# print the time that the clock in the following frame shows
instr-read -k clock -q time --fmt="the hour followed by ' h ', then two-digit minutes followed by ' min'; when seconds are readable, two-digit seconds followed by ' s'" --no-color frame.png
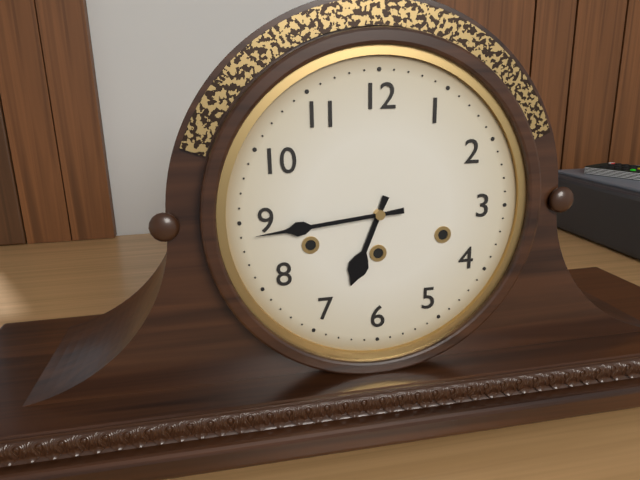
6 h 44 min
